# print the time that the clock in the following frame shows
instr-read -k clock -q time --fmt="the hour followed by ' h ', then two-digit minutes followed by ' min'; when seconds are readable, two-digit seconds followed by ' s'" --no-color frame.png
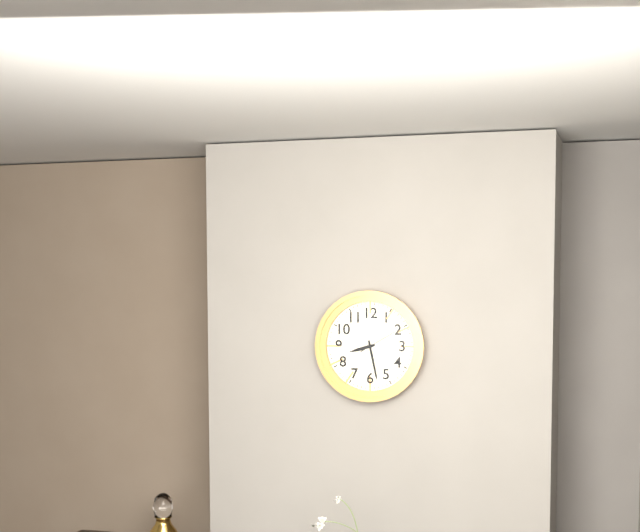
8 h 28 min
